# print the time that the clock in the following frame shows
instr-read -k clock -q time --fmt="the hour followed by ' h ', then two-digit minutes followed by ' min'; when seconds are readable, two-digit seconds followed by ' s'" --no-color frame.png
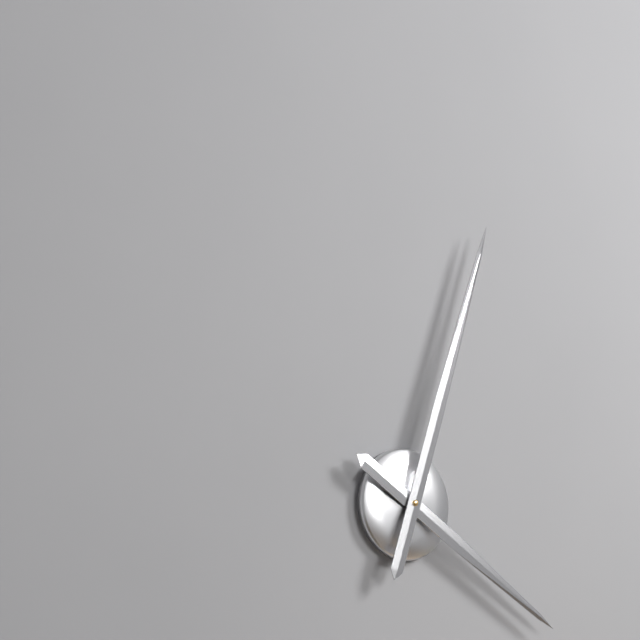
4 h 03 min
